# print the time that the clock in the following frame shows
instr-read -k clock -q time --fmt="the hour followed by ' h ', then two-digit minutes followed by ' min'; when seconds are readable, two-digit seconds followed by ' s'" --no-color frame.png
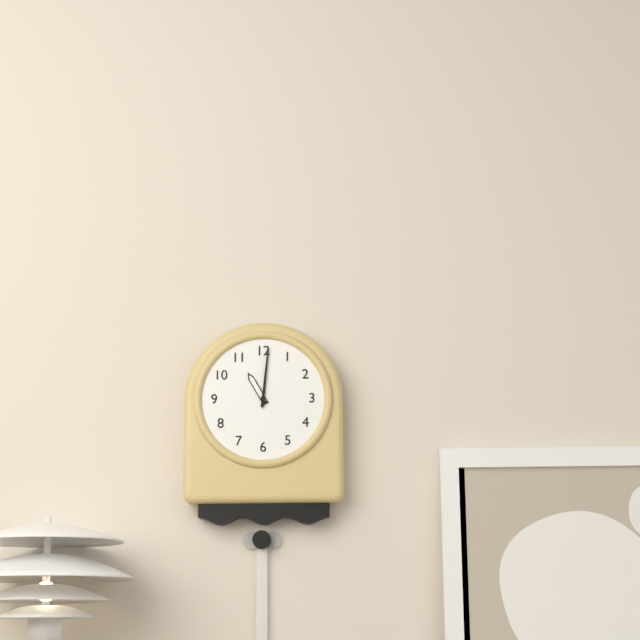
11 h 01 min
